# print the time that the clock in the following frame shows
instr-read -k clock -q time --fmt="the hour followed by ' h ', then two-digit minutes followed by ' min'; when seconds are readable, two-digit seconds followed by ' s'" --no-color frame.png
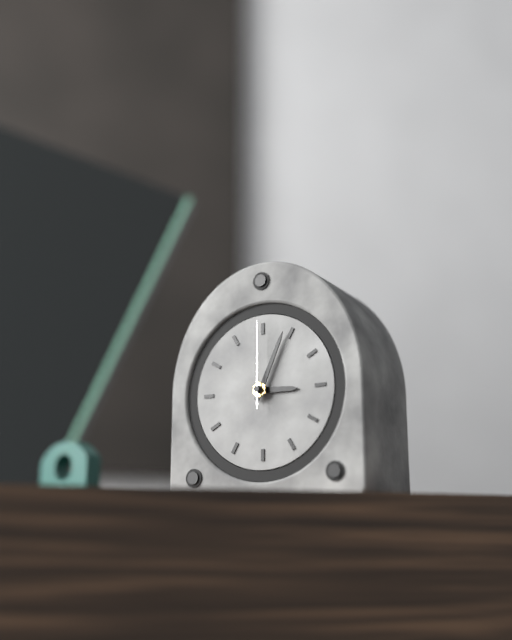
3 h 04 min 00 s
